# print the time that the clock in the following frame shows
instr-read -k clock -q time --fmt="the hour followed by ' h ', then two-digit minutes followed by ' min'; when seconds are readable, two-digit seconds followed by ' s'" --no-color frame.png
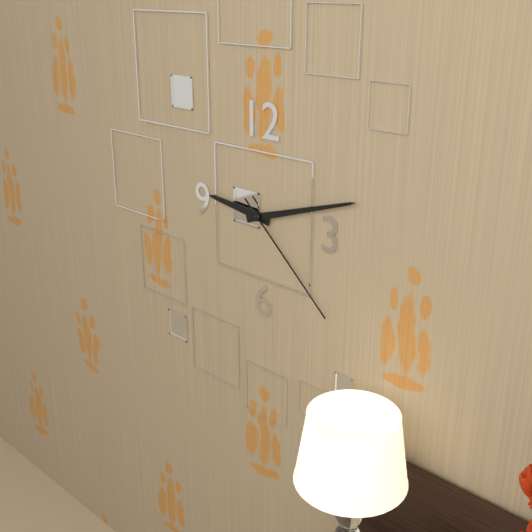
9 h 12 min 22 s
